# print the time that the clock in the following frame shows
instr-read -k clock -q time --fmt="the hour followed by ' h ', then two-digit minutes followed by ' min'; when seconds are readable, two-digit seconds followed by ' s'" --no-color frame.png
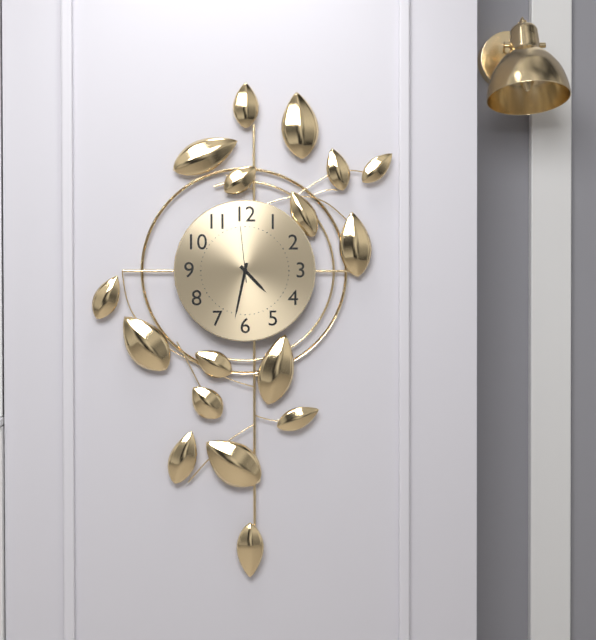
4 h 32 min 59 s
